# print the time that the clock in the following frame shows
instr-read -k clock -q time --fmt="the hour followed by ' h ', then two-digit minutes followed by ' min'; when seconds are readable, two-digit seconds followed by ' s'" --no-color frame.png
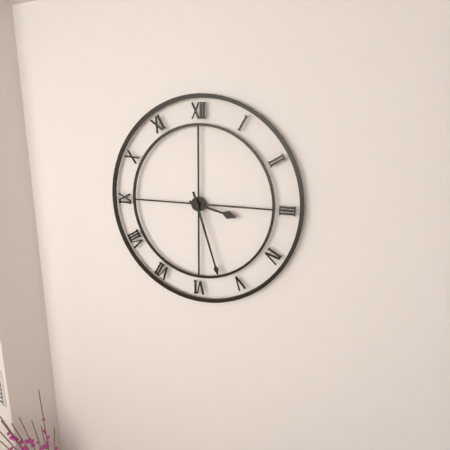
3 h 27 min
